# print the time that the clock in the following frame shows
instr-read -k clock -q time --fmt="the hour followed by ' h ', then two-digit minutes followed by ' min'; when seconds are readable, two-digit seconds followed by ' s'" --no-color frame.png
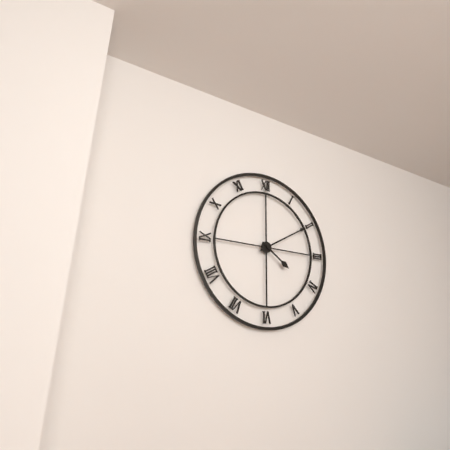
4 h 10 min
